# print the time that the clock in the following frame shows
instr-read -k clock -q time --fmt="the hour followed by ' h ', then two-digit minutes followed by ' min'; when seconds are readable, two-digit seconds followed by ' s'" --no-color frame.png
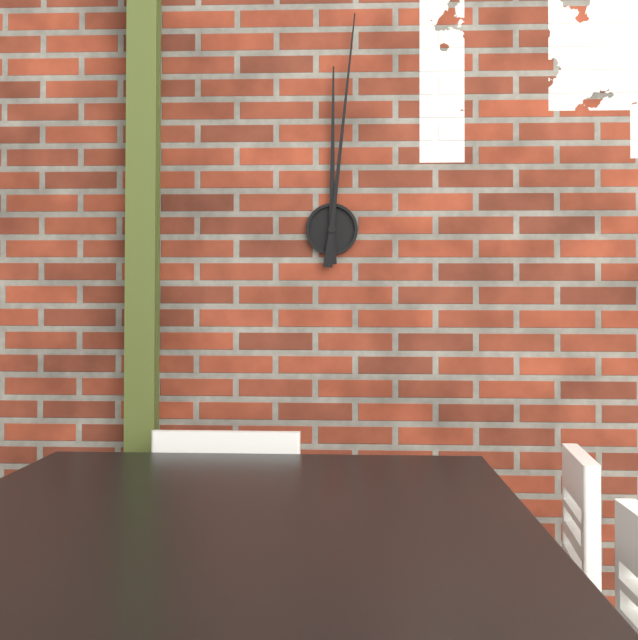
12 h 01 min
